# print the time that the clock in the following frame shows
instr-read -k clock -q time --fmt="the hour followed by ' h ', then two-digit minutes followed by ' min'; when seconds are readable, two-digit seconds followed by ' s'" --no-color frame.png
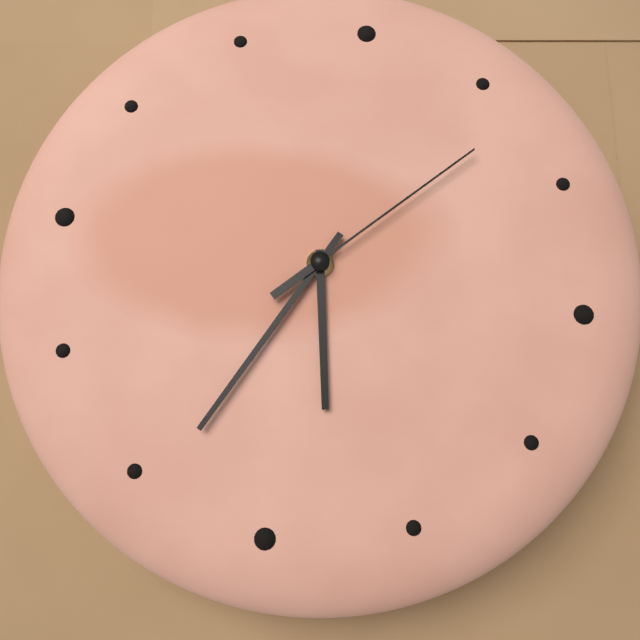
5 h 34 min 07 s
